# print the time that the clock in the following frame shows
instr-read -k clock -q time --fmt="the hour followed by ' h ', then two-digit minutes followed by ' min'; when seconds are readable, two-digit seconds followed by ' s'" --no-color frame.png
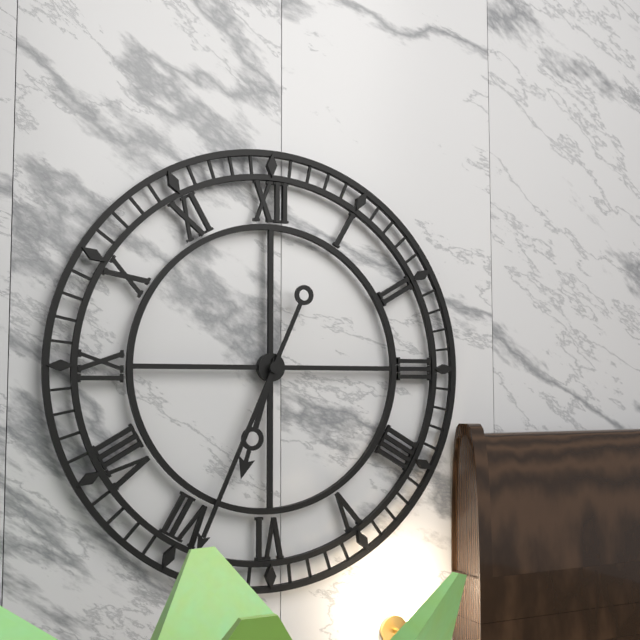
6 h 34 min
